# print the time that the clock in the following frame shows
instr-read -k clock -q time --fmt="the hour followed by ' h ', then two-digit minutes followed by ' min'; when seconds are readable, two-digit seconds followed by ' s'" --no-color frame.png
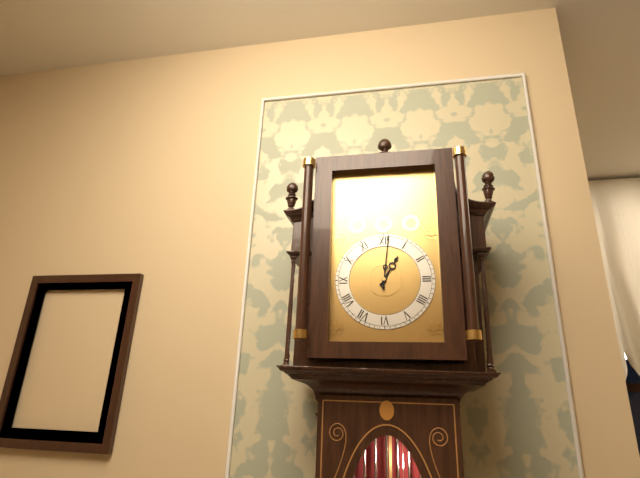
1 h 01 min
